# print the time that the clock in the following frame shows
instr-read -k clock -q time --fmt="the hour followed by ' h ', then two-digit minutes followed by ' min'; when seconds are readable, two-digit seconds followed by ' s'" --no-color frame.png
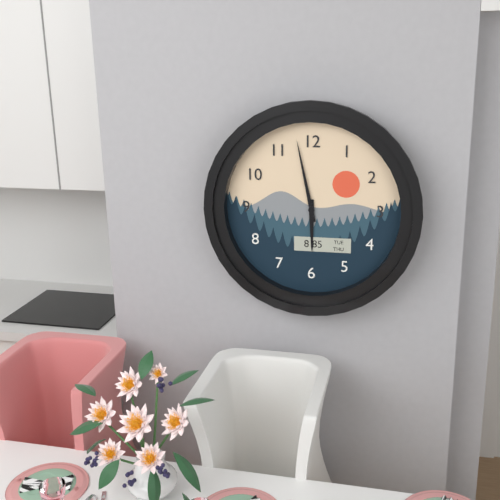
5 h 58 min
